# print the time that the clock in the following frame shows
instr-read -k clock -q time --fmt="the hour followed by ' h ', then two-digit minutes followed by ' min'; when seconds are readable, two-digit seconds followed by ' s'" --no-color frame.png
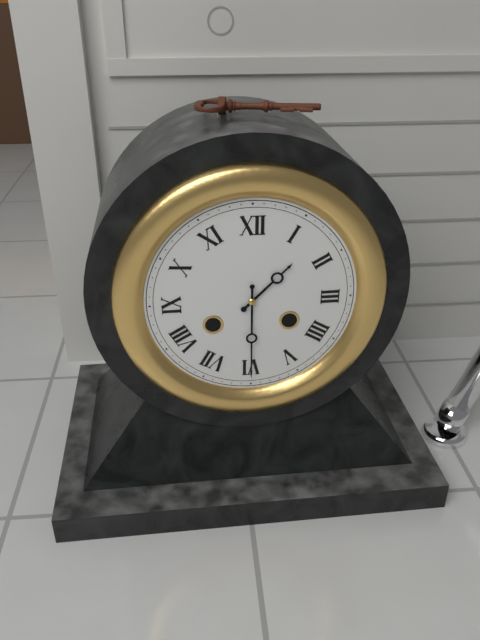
1 h 30 min
